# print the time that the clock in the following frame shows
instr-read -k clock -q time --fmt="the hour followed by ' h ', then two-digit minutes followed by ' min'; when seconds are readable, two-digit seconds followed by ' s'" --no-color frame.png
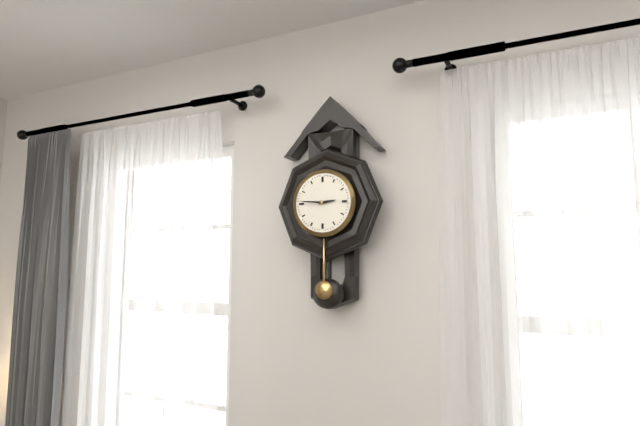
2 h 46 min
